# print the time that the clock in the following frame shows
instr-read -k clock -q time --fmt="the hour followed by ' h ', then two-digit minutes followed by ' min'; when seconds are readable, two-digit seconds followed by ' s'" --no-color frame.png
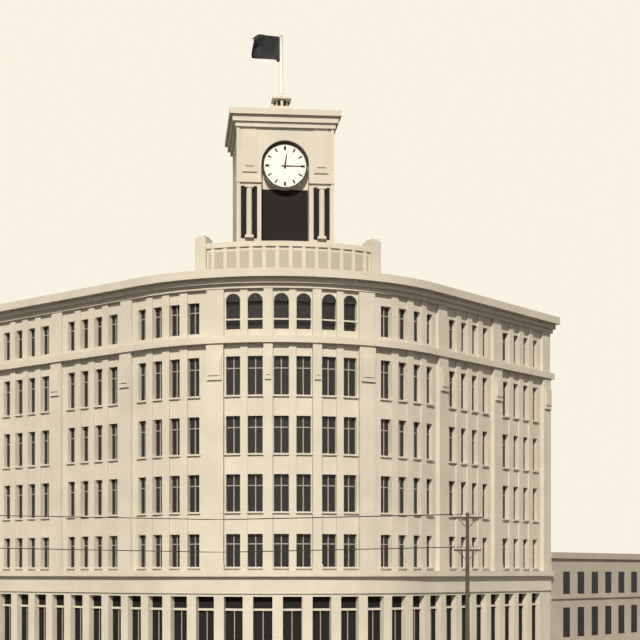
12 h 15 min
